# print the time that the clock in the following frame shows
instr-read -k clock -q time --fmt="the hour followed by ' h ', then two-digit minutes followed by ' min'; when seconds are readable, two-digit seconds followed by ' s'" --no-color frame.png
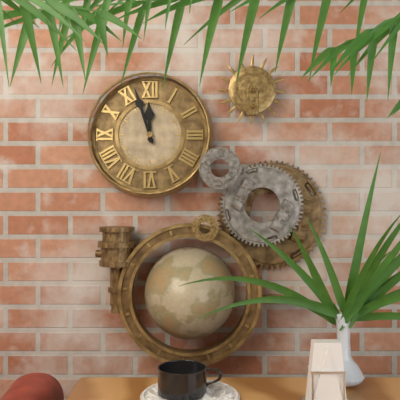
11 h 57 min
